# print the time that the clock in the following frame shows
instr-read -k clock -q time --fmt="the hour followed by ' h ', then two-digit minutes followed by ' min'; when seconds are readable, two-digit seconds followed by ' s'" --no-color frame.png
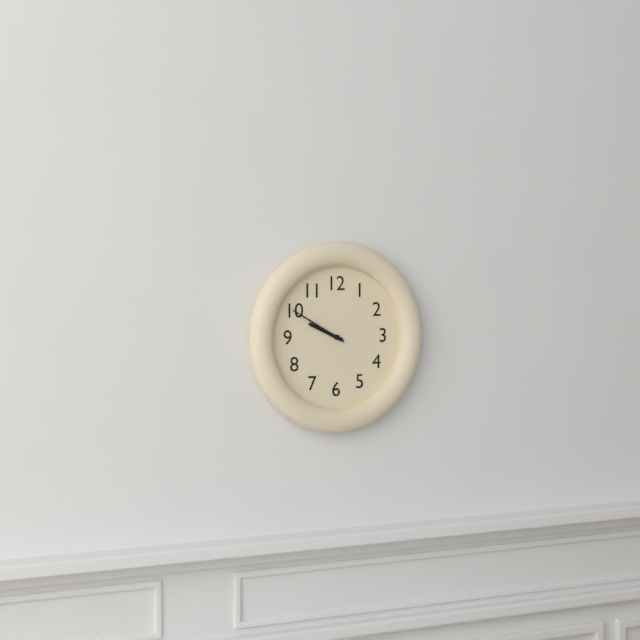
9 h 50 min
